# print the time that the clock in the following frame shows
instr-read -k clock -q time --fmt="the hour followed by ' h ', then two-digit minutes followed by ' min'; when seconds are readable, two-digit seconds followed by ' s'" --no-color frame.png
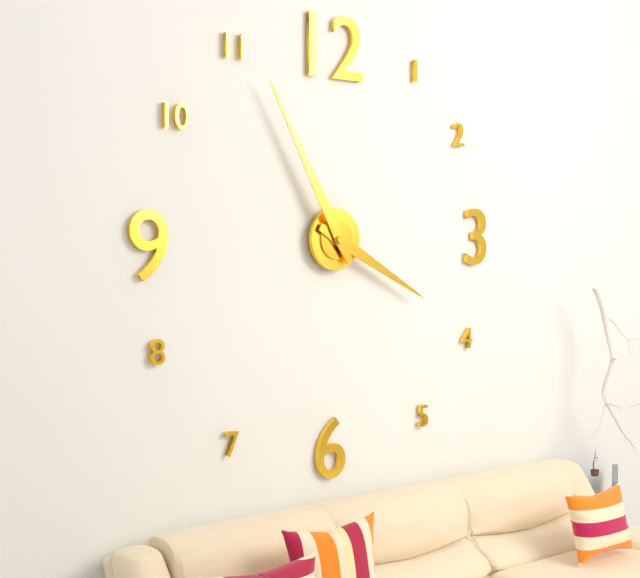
3 h 55 min
